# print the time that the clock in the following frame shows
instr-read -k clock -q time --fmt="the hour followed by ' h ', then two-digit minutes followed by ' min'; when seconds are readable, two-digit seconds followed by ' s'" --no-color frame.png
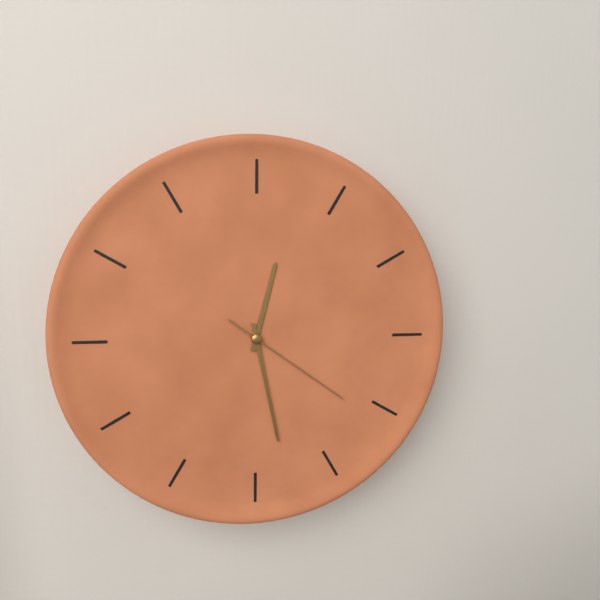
12 h 28 min 21 s
